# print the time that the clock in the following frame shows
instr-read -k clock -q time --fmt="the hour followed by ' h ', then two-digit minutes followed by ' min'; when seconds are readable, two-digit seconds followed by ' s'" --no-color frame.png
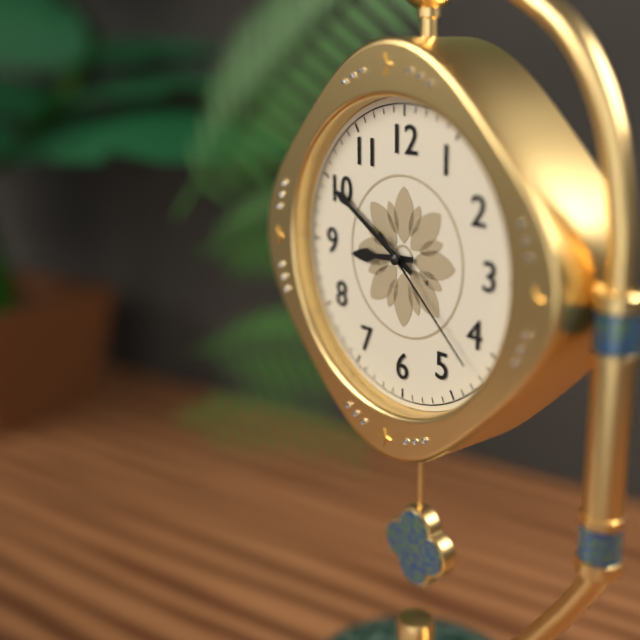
8 h 50 min 22 s
